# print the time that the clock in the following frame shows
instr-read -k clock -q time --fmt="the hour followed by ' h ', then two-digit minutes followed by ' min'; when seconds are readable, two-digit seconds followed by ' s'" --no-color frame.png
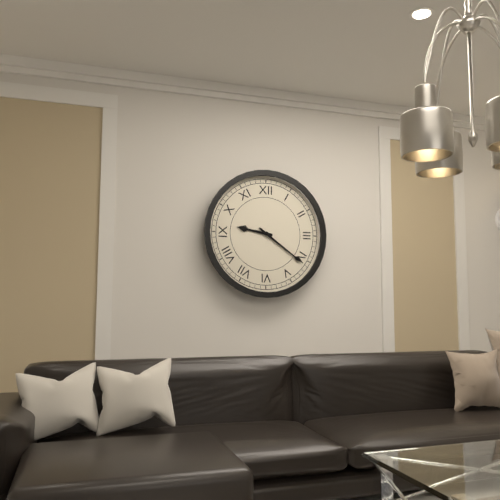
9 h 21 min
